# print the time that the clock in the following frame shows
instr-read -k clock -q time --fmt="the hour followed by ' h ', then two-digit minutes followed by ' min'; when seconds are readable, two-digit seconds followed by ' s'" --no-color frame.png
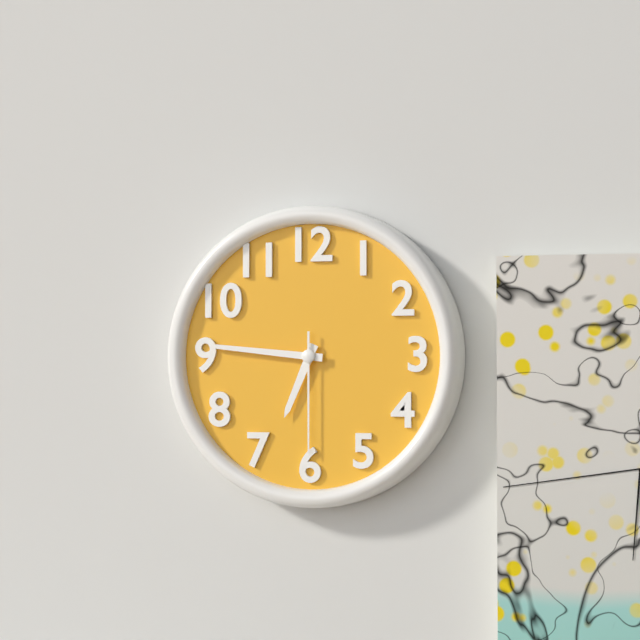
6 h 46 min 30 s
